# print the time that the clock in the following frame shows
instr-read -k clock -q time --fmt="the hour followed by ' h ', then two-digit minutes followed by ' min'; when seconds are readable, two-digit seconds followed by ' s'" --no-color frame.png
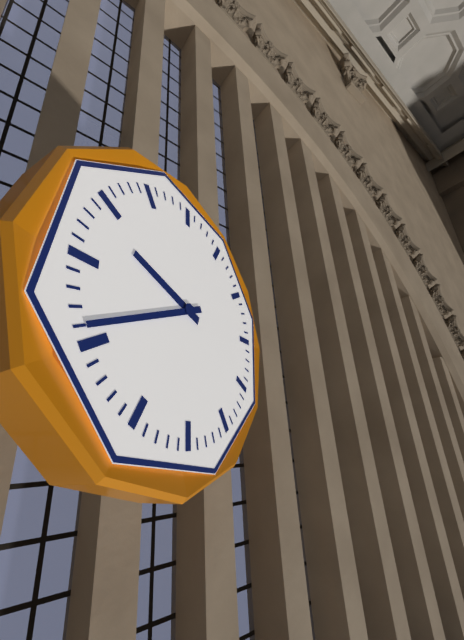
9 h 41 min
